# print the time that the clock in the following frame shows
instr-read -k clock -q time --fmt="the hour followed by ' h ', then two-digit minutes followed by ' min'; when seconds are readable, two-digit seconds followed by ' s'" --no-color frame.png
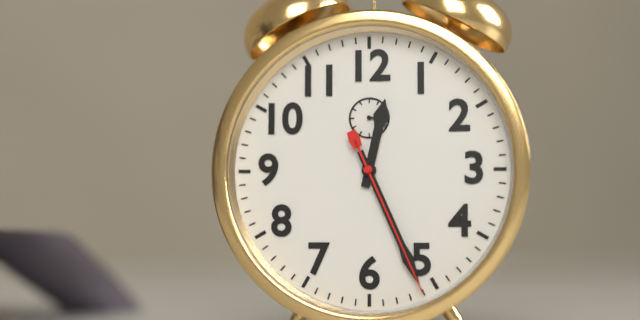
12 h 26 min 26 s
